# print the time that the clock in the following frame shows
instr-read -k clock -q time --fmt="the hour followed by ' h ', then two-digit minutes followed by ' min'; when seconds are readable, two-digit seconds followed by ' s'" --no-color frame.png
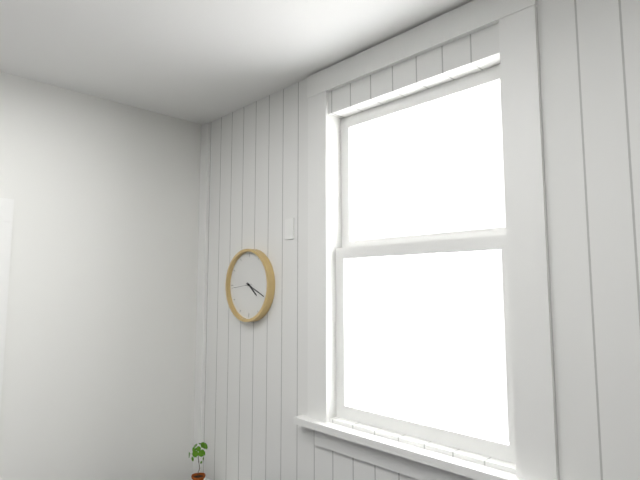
4 h 19 min
